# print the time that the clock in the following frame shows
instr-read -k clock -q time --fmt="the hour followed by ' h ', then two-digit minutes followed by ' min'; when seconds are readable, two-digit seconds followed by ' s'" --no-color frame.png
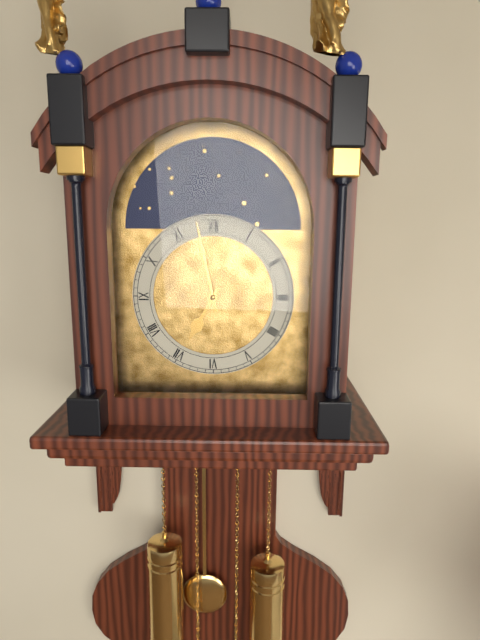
6 h 58 min
